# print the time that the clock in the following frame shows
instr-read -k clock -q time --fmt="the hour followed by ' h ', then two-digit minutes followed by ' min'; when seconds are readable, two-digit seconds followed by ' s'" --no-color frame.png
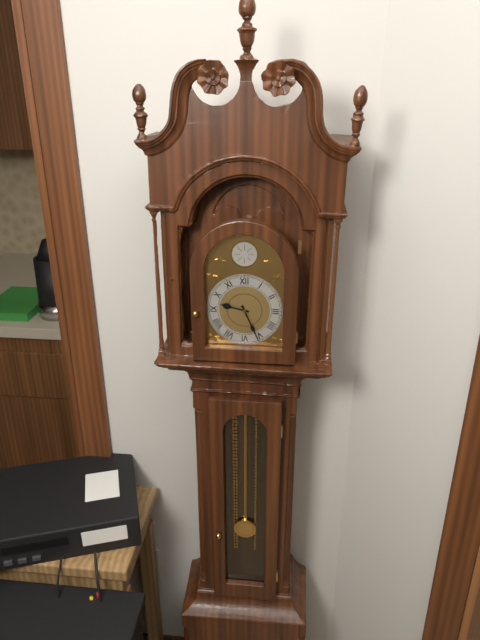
9 h 26 min
